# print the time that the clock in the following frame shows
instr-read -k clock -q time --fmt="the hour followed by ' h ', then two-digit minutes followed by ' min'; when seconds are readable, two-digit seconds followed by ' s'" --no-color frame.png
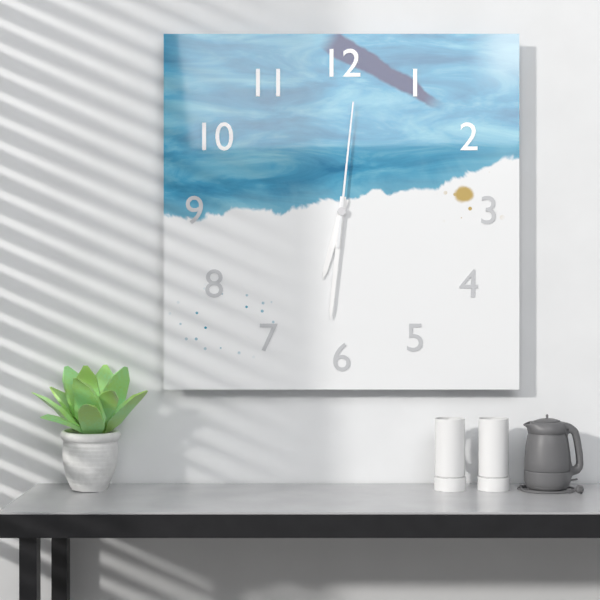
6 h 31 min 01 s
